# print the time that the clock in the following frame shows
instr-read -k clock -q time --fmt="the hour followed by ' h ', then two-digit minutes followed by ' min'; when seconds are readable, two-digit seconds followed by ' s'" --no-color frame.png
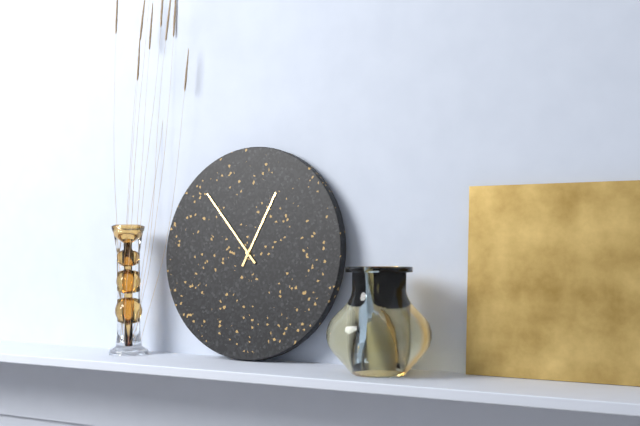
12 h 53 min
